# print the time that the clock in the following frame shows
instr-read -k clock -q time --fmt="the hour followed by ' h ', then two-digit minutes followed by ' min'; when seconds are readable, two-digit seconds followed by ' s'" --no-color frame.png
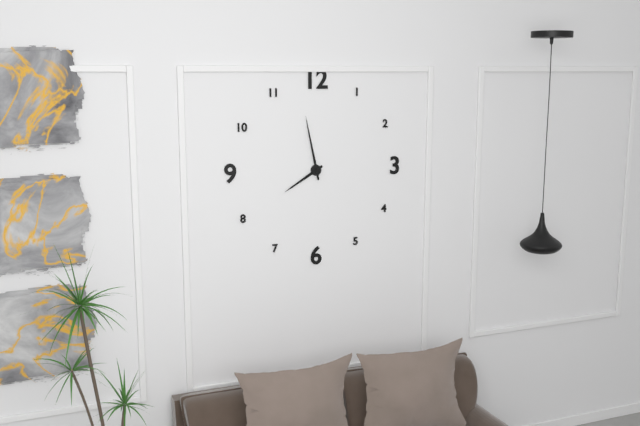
7 h 58 min
